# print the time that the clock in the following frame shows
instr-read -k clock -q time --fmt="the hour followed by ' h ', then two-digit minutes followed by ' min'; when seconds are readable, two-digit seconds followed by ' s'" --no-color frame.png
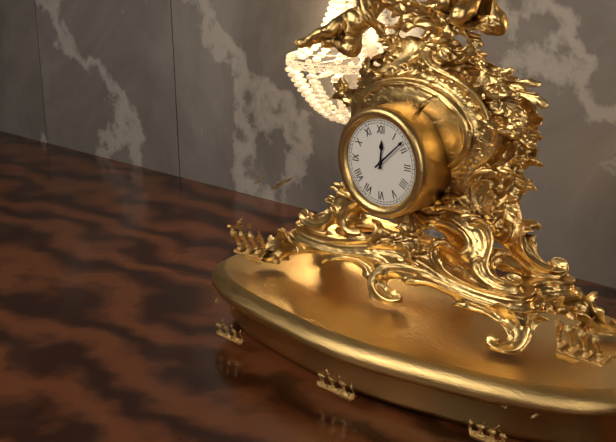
12 h 08 min
